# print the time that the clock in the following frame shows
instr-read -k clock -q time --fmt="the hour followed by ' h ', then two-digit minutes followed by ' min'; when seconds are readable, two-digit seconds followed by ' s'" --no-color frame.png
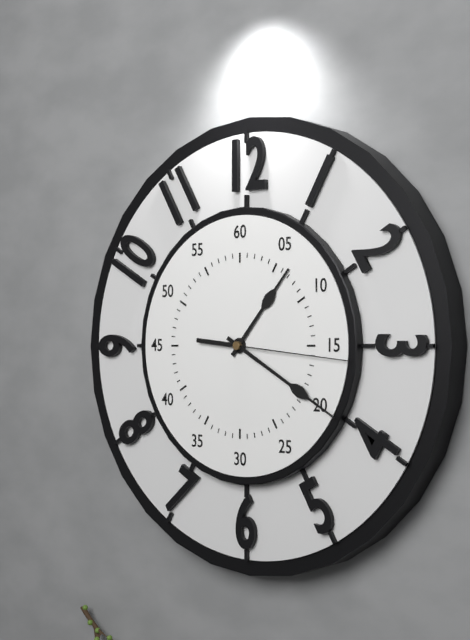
1 h 20 min 16 s
